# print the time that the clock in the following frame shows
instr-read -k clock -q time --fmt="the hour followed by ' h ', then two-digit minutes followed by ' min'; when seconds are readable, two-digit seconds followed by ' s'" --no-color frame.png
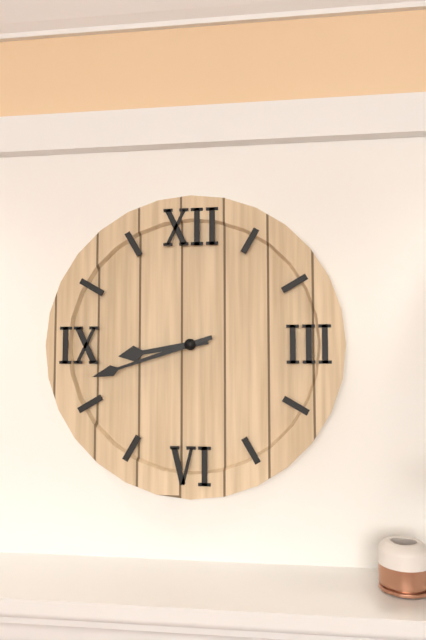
8 h 42 min
